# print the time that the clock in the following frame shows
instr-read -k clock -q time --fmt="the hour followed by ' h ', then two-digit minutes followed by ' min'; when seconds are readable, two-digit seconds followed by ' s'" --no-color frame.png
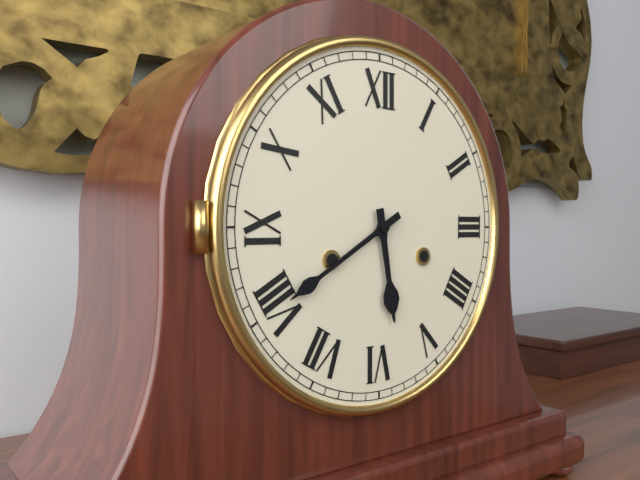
5 h 40 min
